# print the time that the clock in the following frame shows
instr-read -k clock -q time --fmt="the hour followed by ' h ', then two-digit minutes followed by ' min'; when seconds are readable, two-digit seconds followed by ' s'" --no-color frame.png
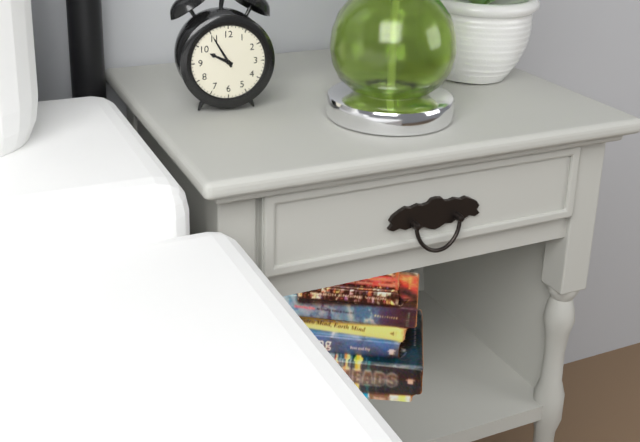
9 h 55 min
